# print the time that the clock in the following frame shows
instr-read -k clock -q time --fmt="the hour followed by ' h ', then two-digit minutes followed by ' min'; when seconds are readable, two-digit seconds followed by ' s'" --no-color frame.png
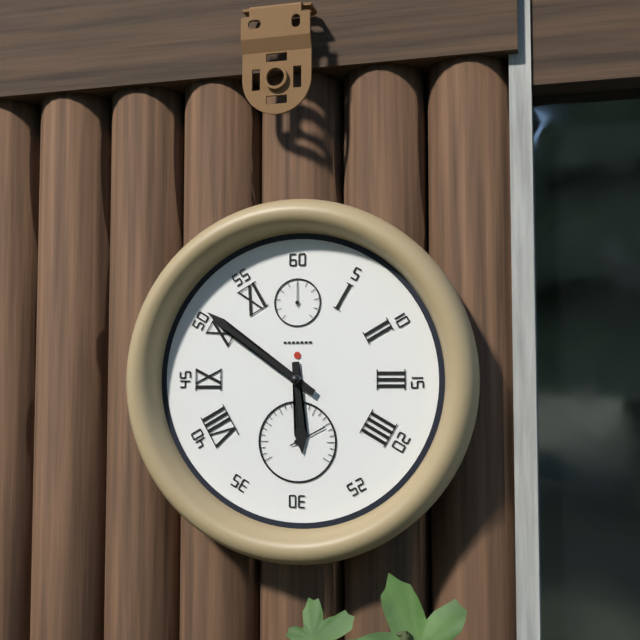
5 h 51 min
